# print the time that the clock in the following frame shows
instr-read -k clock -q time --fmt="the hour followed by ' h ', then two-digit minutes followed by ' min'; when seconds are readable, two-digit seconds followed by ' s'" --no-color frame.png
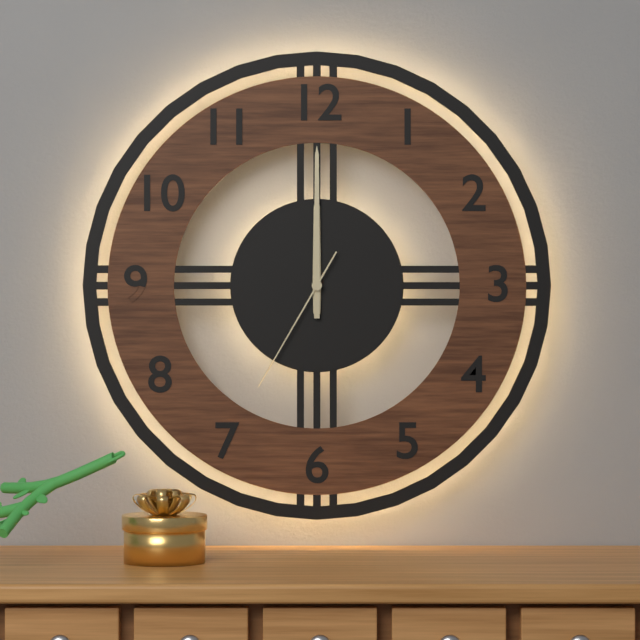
12 h 00 min 35 s
